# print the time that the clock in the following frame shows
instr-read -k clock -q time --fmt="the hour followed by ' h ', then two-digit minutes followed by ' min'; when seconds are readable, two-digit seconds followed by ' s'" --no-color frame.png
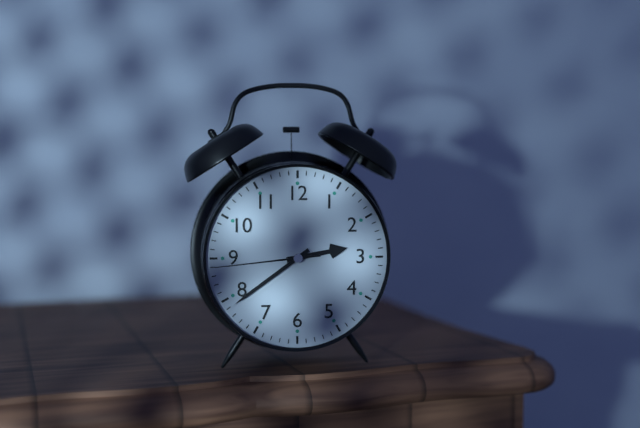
2 h 39 min 44 s
